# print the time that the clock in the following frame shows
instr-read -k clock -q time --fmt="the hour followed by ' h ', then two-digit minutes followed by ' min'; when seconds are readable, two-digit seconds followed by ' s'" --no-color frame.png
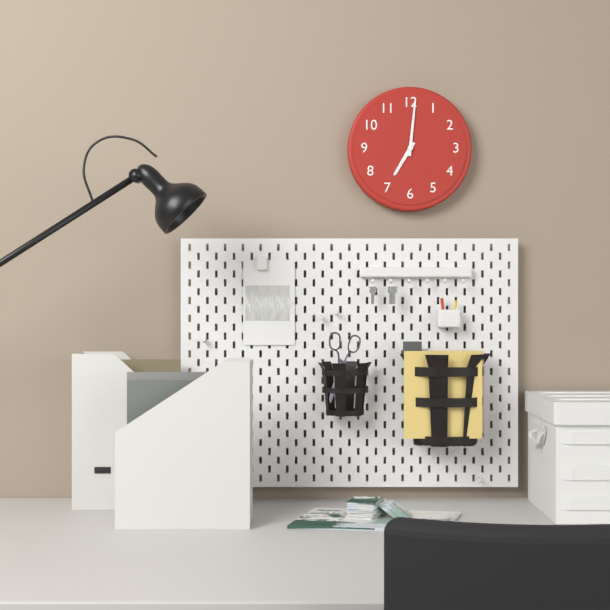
7 h 01 min
